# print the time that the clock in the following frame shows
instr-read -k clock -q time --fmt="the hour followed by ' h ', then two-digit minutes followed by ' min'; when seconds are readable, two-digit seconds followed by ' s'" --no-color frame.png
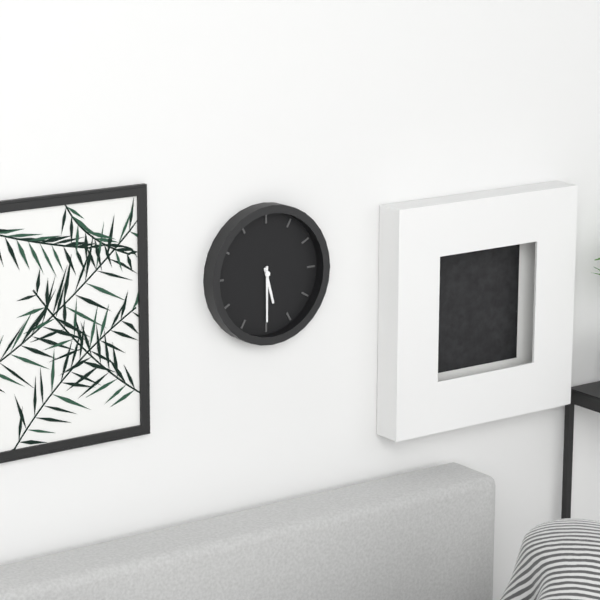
5 h 30 min
